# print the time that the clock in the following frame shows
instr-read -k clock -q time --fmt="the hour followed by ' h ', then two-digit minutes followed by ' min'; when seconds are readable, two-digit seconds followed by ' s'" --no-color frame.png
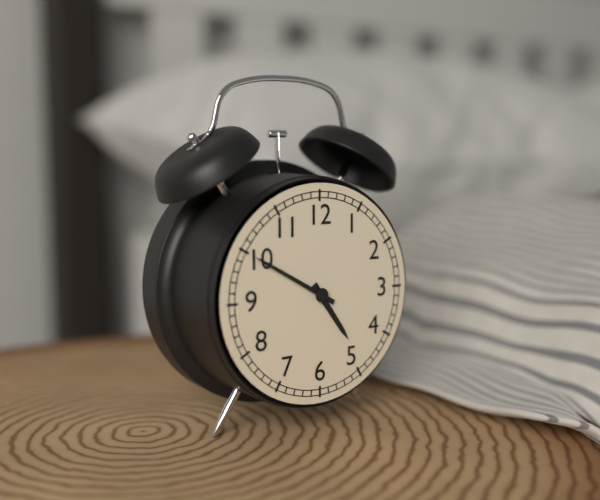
4 h 50 min
